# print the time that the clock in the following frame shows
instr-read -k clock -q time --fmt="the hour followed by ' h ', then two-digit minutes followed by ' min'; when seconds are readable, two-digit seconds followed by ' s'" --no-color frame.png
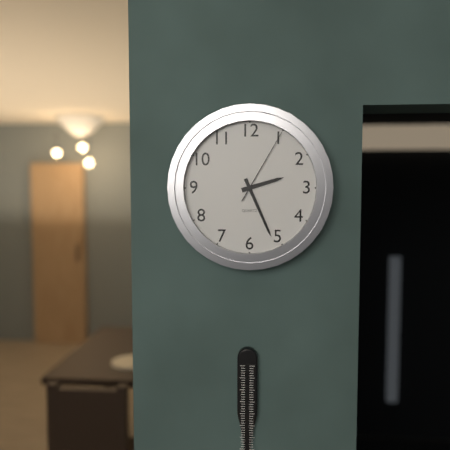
2 h 26 min 05 s
